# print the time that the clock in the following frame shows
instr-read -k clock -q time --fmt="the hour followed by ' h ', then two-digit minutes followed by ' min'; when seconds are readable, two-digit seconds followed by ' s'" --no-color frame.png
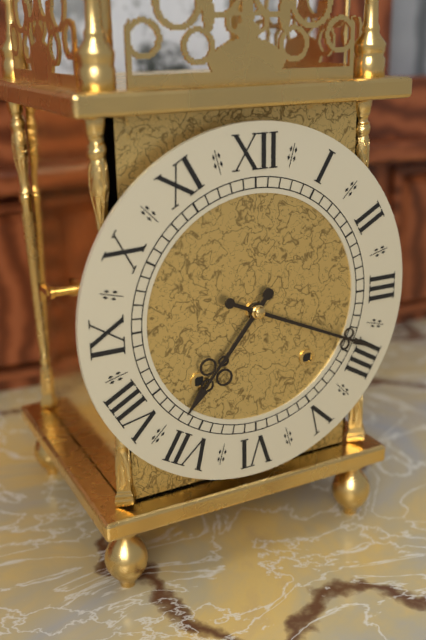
7 h 19 min
